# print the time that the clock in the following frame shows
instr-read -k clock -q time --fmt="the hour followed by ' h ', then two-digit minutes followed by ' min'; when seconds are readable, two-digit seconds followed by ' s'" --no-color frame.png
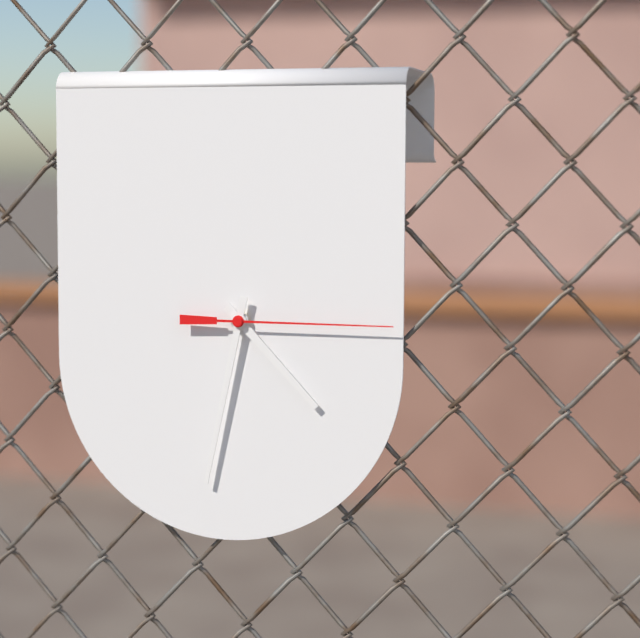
4 h 32 min 15 s
